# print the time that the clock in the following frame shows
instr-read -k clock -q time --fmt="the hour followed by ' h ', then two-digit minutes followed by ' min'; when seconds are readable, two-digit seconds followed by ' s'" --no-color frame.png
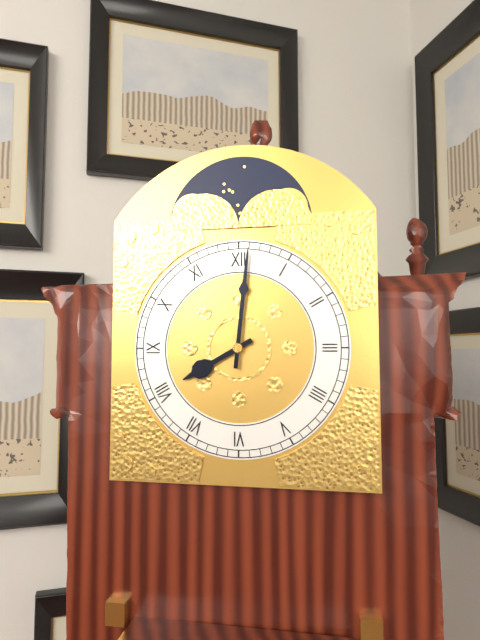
8 h 01 min
